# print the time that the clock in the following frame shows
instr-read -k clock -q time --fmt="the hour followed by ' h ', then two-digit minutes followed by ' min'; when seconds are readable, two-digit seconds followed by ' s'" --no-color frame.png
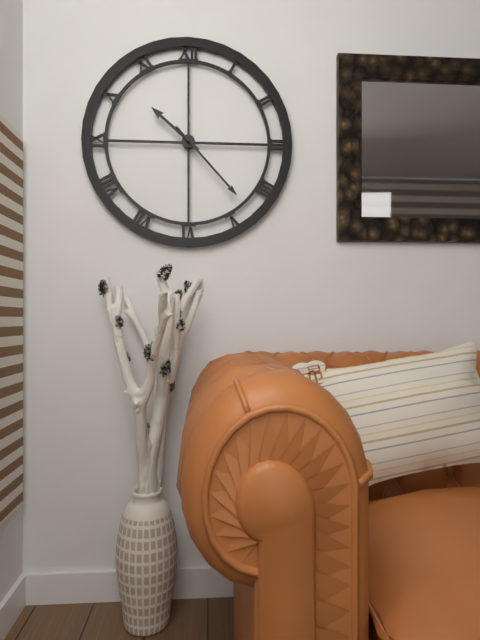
10 h 23 min
